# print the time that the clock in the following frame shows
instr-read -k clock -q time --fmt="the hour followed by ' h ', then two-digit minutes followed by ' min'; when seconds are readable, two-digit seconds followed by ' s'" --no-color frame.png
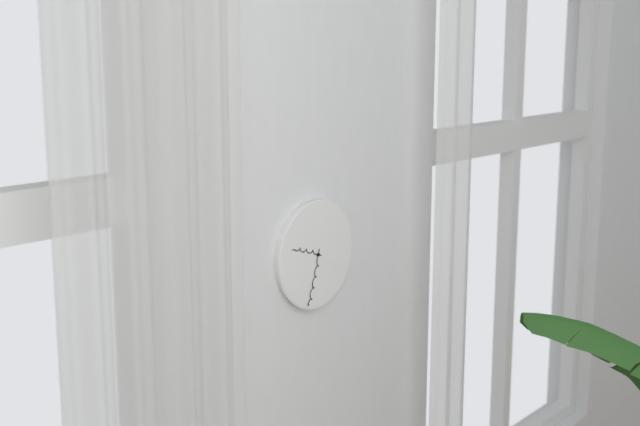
9 h 33 min
